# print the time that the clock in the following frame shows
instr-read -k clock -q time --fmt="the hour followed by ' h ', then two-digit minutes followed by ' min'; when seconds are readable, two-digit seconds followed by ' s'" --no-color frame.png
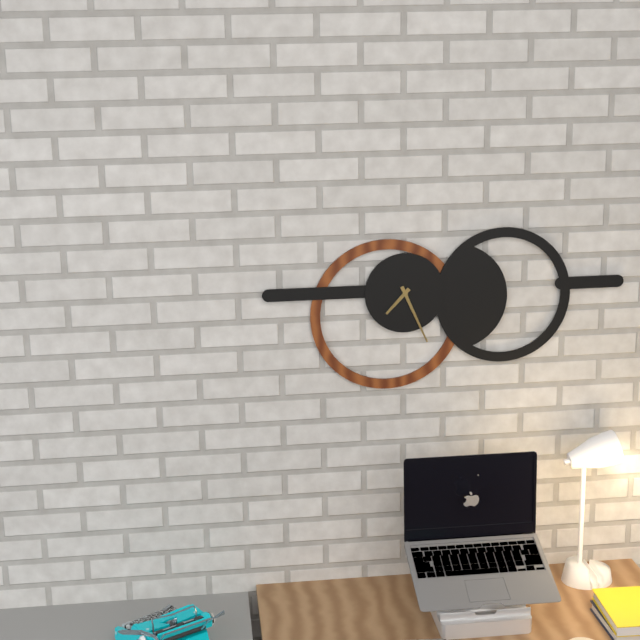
7 h 26 min
